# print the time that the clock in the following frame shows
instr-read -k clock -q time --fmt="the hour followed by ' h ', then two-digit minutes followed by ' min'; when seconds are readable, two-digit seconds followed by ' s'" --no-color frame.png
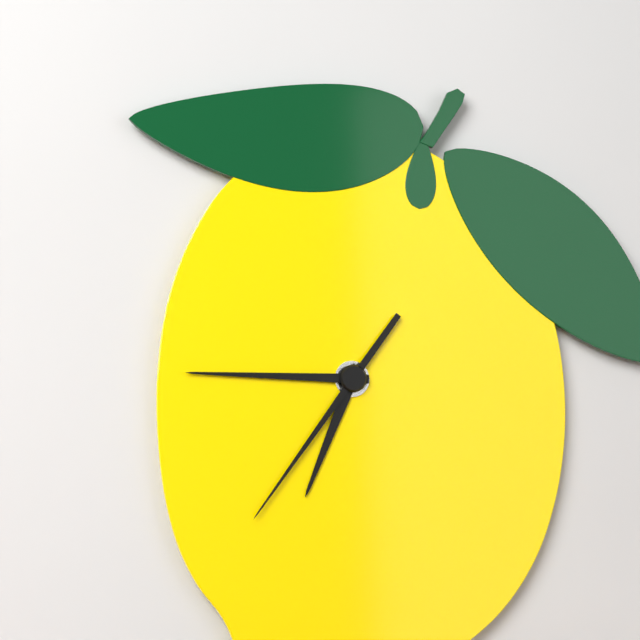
6 h 45 min 36 s
